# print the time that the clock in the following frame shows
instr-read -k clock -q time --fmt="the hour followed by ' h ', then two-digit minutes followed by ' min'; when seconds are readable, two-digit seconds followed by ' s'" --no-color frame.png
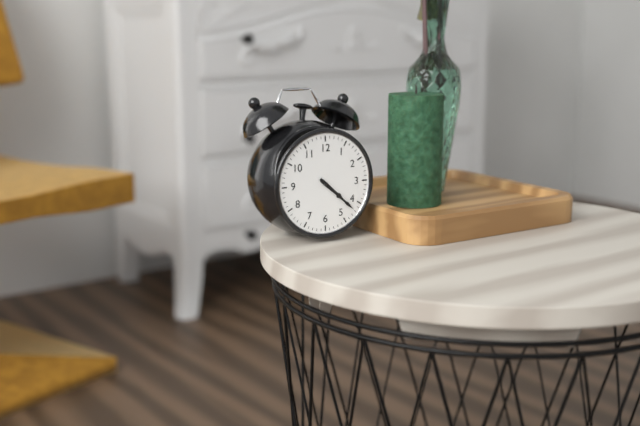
4 h 22 min
